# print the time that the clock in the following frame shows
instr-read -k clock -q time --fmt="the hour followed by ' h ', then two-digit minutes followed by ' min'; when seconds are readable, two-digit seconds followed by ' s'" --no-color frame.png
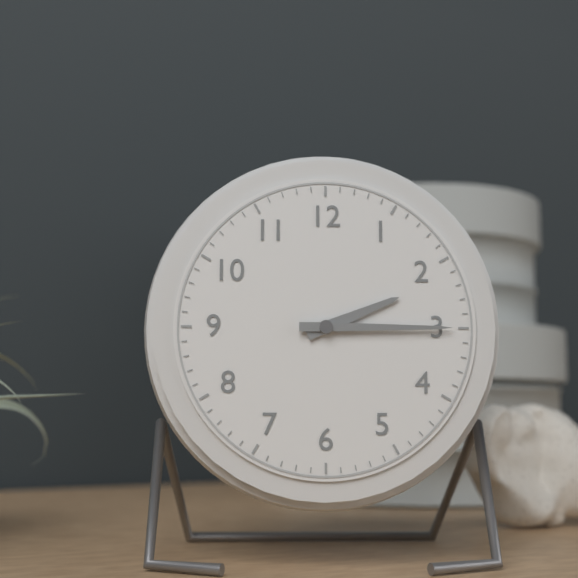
2 h 15 min
